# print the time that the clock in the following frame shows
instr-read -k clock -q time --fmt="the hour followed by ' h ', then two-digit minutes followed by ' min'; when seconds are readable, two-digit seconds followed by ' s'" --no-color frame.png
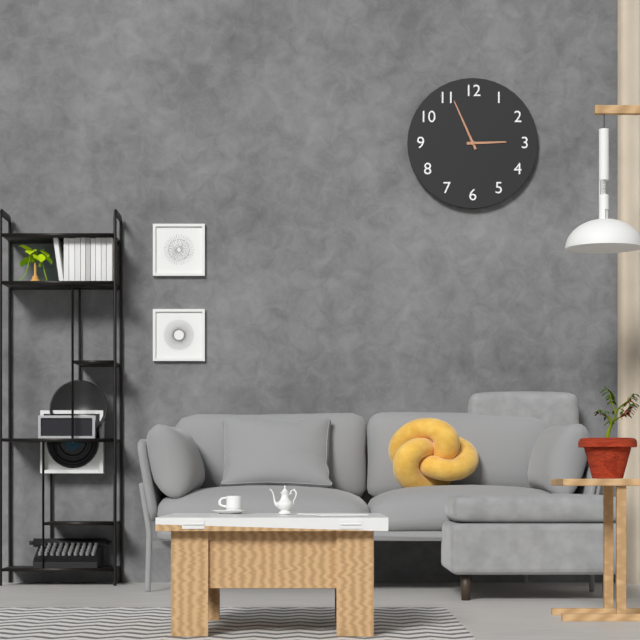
2 h 56 min
